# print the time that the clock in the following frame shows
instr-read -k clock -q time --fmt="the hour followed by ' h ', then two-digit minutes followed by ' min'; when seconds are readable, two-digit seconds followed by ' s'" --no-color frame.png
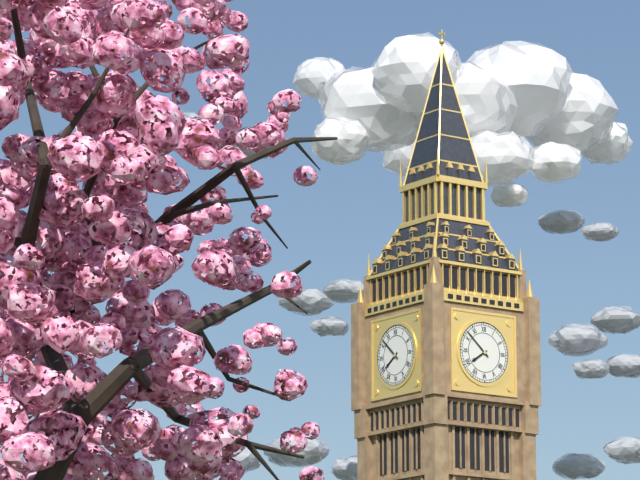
7 h 52 min
